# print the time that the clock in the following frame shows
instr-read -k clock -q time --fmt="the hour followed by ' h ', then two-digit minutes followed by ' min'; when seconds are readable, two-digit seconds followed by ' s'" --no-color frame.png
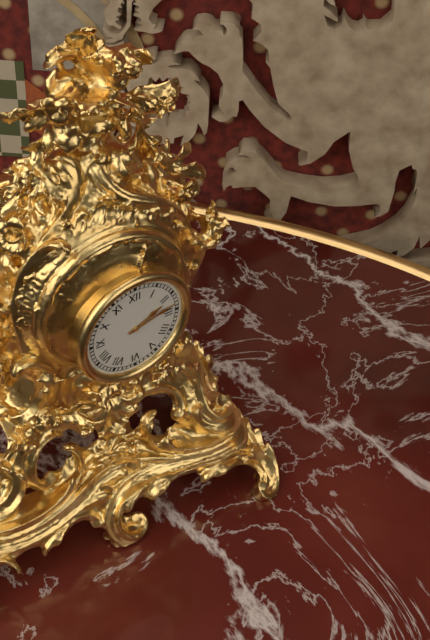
2 h 13 min
